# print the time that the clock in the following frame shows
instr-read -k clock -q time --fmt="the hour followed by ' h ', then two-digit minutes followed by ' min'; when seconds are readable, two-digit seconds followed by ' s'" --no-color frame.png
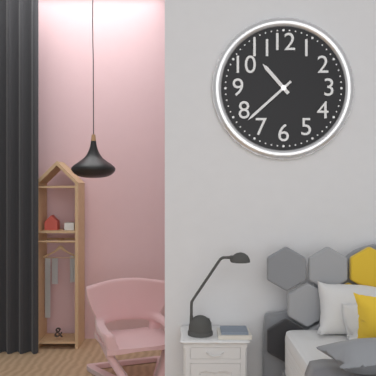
10 h 38 min
